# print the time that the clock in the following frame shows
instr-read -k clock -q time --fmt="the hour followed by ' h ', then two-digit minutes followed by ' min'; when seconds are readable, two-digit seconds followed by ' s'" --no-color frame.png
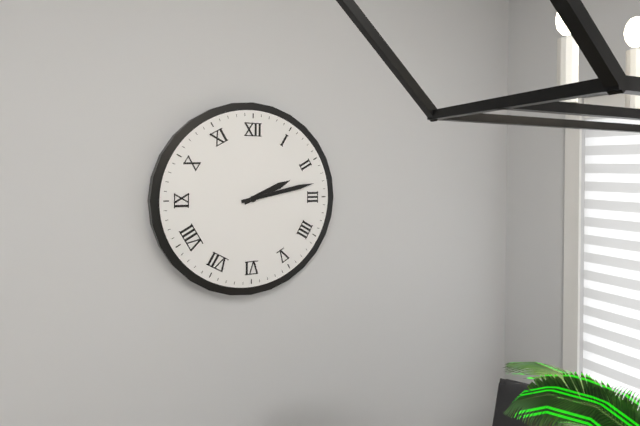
2 h 13 min
